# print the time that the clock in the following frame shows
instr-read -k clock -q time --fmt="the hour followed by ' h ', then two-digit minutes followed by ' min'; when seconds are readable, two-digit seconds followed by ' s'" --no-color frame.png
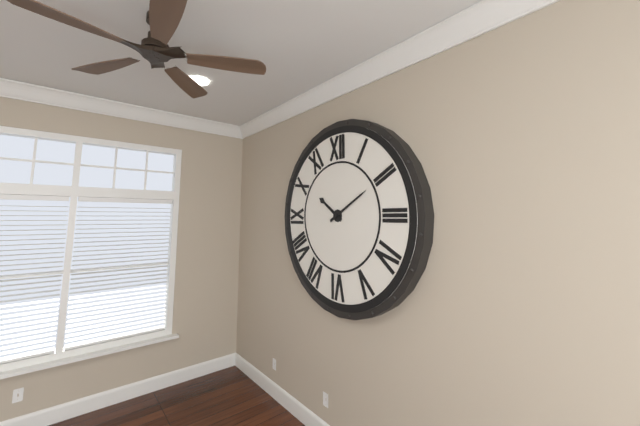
10 h 10 min
